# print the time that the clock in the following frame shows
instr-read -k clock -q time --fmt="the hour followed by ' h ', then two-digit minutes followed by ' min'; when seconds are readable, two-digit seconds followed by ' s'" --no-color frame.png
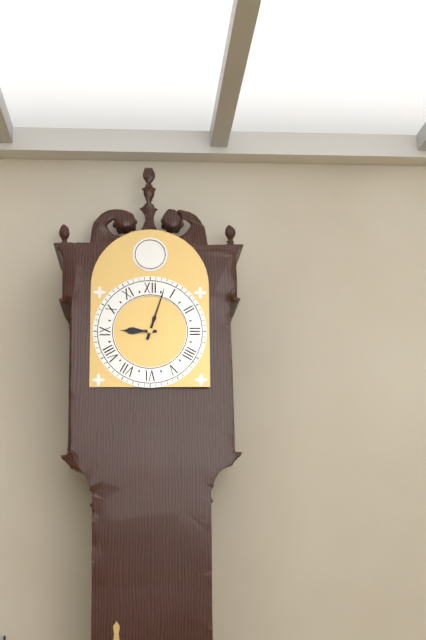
9 h 03 min
